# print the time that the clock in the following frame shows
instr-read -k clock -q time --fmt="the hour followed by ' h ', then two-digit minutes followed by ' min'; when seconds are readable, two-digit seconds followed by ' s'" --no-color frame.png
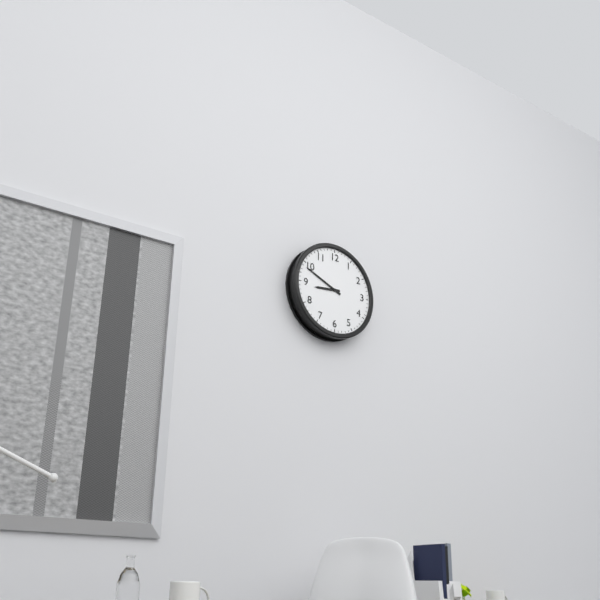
8 h 49 min
